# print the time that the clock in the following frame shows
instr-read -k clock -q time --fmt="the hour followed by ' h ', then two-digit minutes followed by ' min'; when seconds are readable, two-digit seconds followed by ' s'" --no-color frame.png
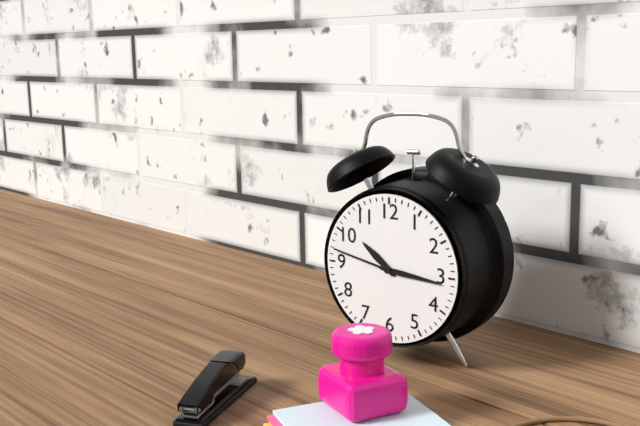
10 h 16 min 47 s
